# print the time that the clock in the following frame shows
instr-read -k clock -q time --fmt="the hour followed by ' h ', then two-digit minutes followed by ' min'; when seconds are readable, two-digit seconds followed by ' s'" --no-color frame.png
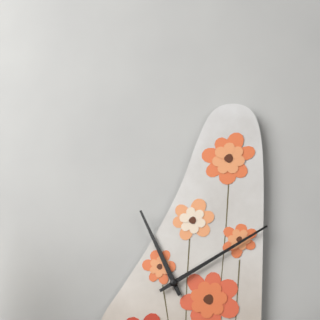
11 h 10 min
